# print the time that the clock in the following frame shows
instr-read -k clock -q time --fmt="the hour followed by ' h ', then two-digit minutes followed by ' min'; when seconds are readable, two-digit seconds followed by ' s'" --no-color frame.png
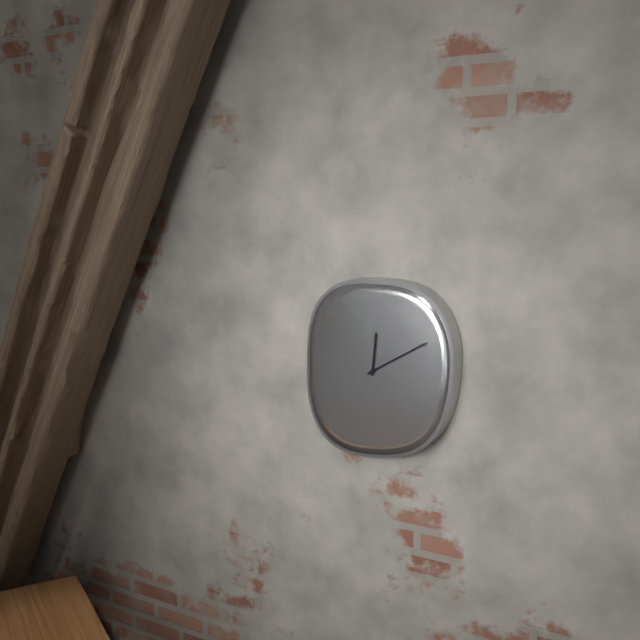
12 h 10 min
